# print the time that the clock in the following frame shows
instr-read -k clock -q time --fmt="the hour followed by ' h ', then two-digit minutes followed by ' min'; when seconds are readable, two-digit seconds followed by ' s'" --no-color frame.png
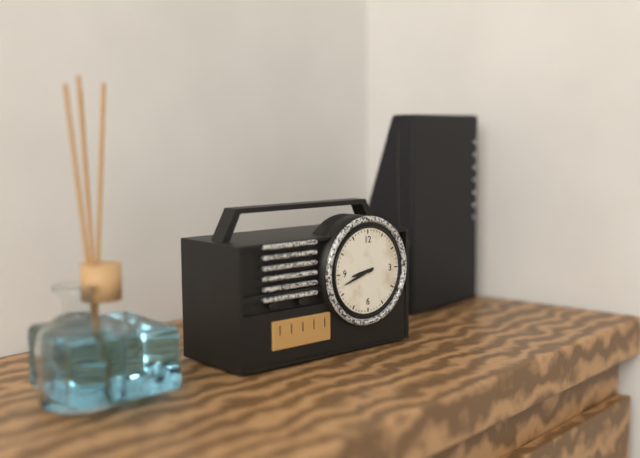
8 h 42 min
